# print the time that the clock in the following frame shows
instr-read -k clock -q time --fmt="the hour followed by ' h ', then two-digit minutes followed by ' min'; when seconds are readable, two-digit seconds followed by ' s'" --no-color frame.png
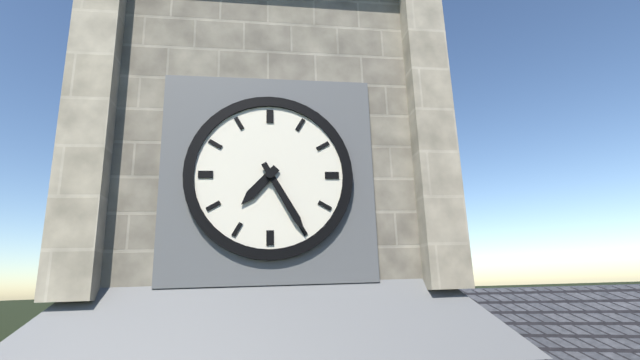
7 h 25 min
